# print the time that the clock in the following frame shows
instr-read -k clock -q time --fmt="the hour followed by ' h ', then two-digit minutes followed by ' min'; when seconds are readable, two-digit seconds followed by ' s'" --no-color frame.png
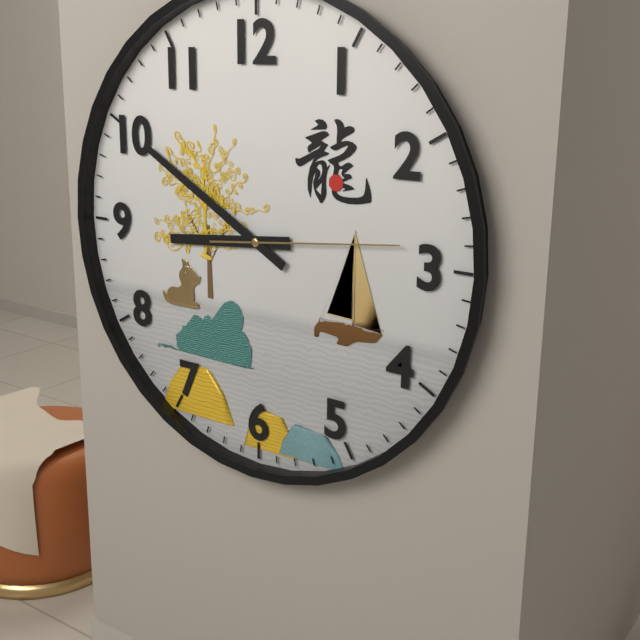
8 h 50 min 14 s
